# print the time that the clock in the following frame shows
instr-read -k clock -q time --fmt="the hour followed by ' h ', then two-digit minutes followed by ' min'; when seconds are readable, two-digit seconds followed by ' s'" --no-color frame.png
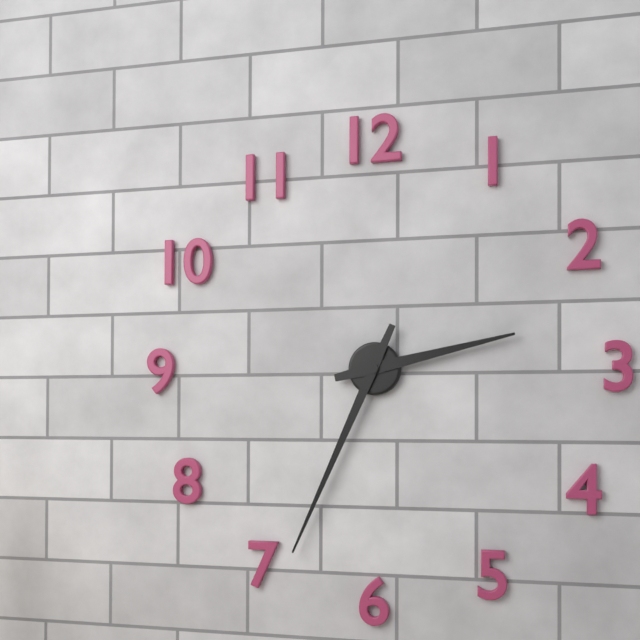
2 h 34 min
